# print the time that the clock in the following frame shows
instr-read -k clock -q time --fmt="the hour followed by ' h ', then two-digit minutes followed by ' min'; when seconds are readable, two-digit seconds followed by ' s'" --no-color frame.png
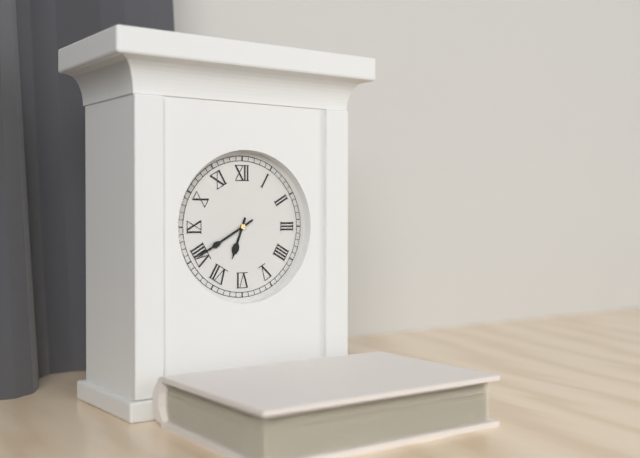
6 h 40 min
